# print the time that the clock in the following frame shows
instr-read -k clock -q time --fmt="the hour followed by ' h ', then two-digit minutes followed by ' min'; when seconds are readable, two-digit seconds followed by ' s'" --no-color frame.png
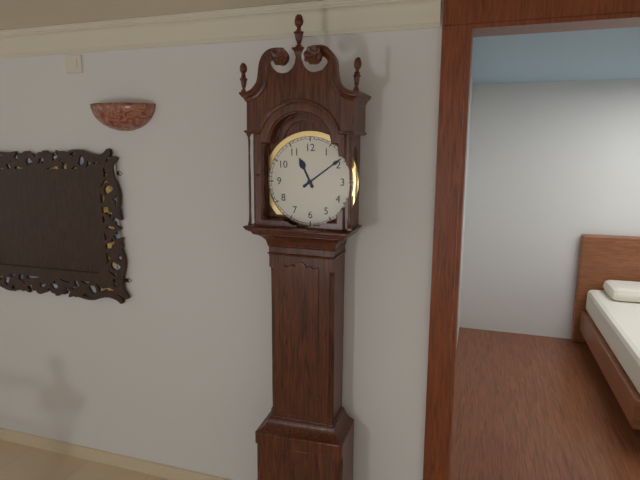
11 h 09 min
